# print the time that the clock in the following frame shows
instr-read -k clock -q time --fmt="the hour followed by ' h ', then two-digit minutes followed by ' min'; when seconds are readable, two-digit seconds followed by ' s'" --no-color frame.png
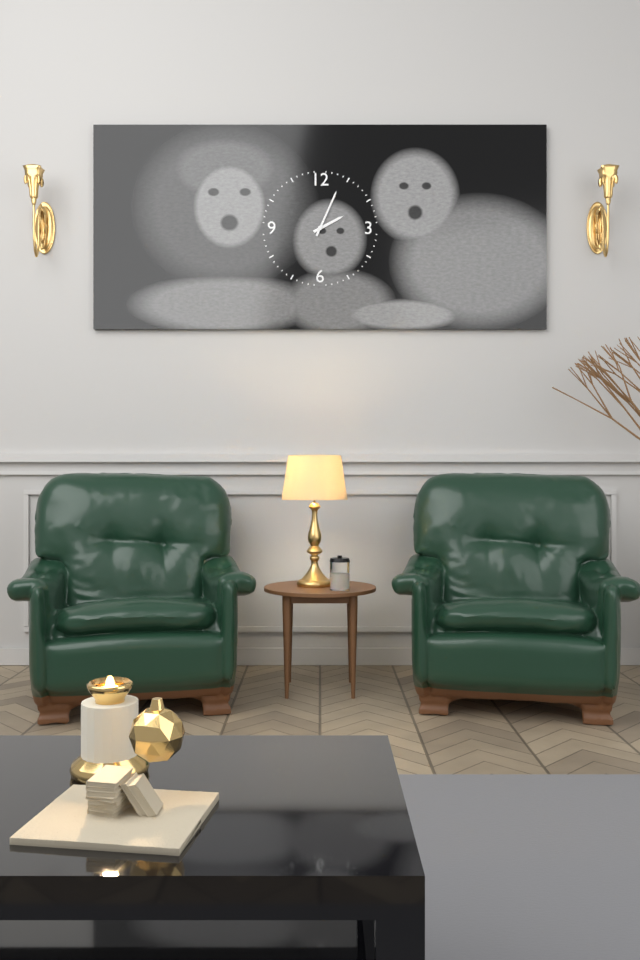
2 h 04 min
